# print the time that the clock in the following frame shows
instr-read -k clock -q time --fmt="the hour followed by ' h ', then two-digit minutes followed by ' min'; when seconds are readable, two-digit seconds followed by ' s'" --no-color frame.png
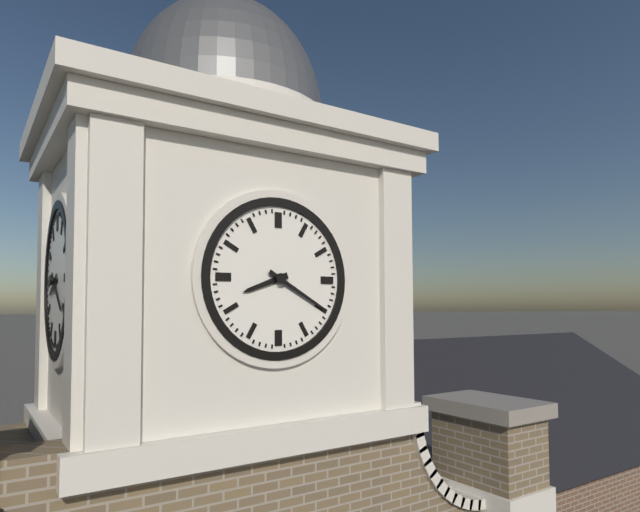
8 h 20 min
